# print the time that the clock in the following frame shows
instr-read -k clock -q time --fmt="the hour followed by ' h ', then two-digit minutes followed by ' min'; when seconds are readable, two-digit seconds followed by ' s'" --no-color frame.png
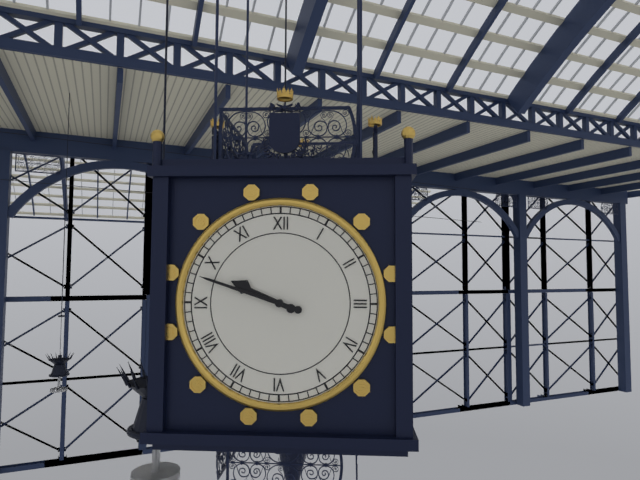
9 h 48 min
